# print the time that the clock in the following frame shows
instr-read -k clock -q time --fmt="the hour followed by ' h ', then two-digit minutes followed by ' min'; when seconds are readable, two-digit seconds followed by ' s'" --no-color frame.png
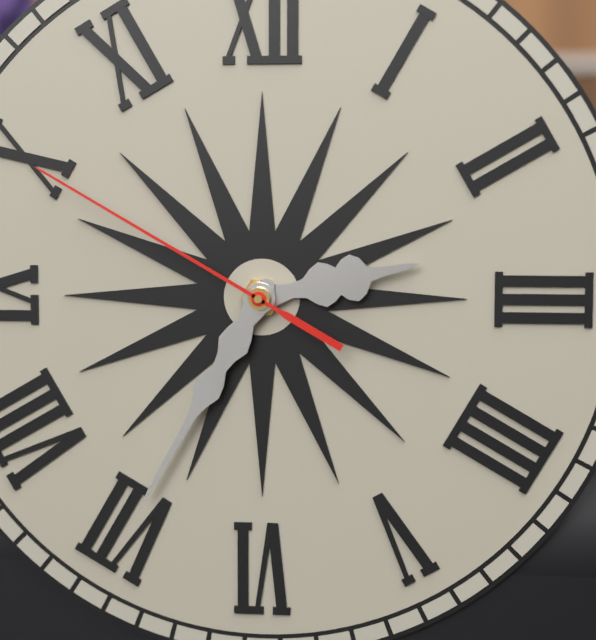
2 h 35 min 50 s
